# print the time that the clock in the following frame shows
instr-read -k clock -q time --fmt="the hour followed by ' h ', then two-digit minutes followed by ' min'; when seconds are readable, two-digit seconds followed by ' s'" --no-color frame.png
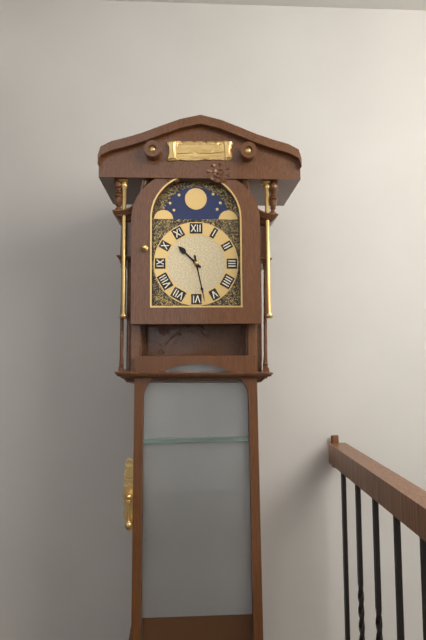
10 h 28 min
